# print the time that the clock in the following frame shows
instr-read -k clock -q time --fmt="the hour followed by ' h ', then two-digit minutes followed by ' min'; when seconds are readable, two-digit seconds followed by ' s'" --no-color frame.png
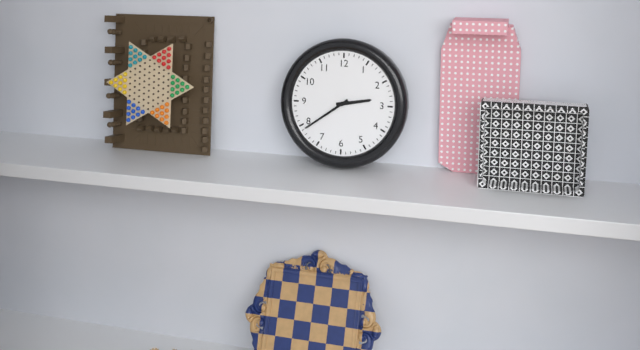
2 h 39 min
